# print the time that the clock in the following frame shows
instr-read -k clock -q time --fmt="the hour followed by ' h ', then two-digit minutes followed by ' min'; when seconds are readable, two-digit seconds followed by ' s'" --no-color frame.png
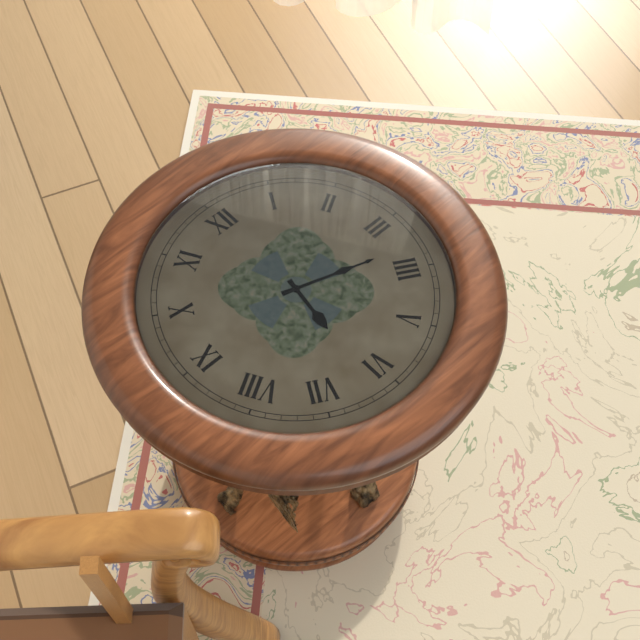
6 h 18 min
